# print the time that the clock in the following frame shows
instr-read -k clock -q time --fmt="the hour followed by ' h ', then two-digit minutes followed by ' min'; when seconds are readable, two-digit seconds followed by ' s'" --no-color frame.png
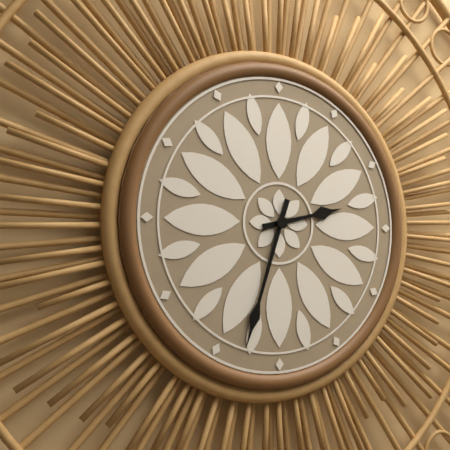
2 h 33 min
